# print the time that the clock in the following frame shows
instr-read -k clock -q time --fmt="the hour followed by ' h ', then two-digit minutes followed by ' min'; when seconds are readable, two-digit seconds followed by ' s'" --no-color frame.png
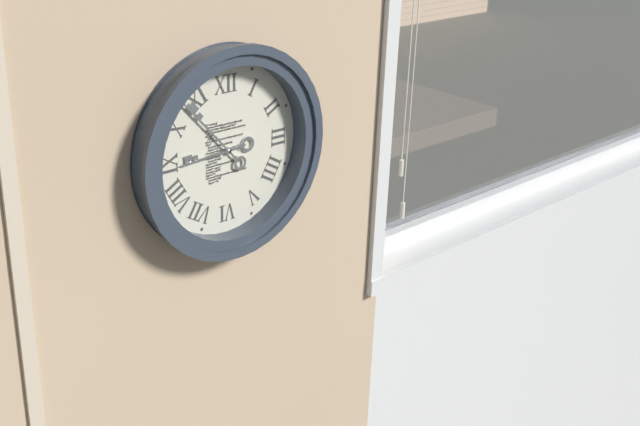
8 h 53 min
